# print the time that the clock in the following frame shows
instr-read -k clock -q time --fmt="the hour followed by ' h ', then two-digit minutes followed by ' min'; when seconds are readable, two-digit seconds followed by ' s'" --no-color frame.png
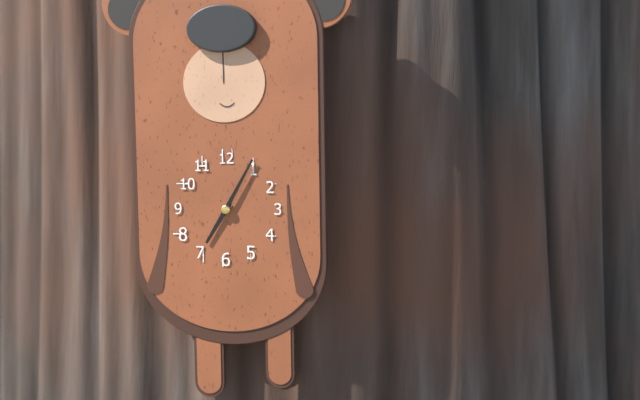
7 h 05 min
